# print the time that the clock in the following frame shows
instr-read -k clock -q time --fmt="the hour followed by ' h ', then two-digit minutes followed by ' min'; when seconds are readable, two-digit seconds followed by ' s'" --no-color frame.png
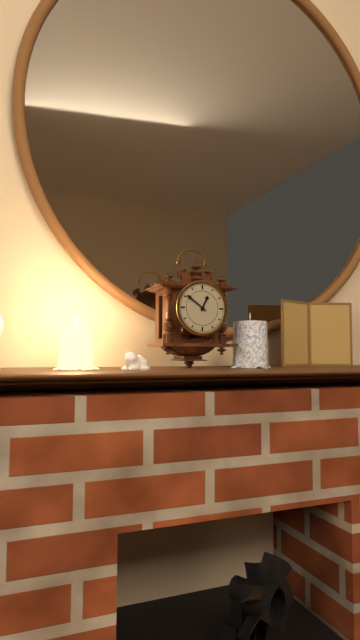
12 h 51 min
